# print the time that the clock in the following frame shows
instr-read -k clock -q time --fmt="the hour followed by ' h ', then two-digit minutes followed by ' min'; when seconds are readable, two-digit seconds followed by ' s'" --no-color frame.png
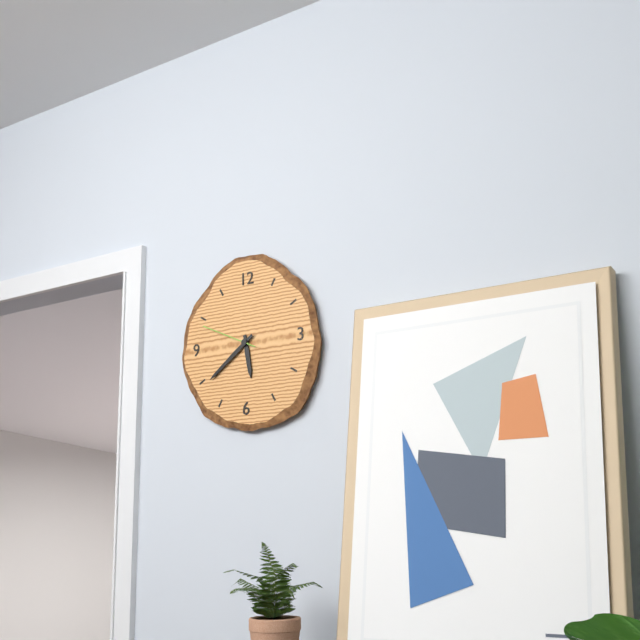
5 h 39 min 49 s
